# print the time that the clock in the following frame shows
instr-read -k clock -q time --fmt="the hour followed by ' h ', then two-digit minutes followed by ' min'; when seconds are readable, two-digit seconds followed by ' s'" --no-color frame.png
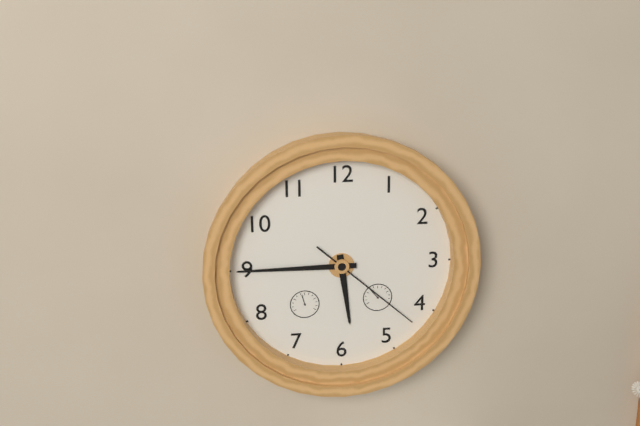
5 h 45 min 22 s
